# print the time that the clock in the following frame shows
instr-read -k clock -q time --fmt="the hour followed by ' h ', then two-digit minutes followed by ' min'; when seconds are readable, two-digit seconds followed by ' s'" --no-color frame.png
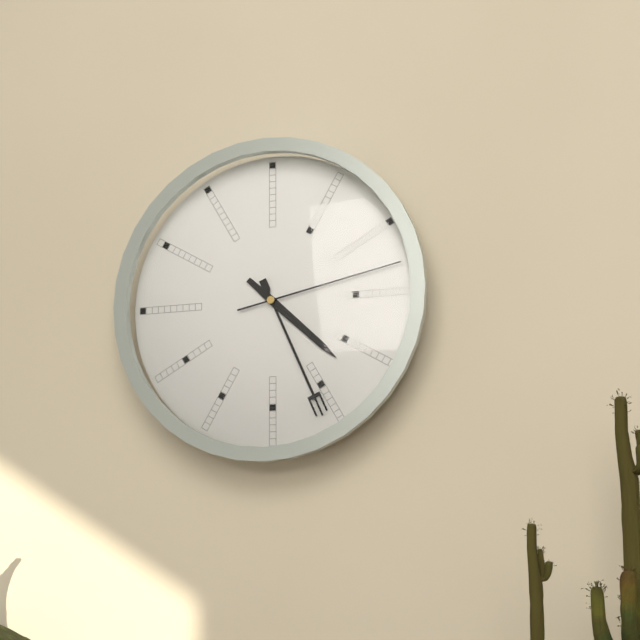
4 h 26 min 13 s
